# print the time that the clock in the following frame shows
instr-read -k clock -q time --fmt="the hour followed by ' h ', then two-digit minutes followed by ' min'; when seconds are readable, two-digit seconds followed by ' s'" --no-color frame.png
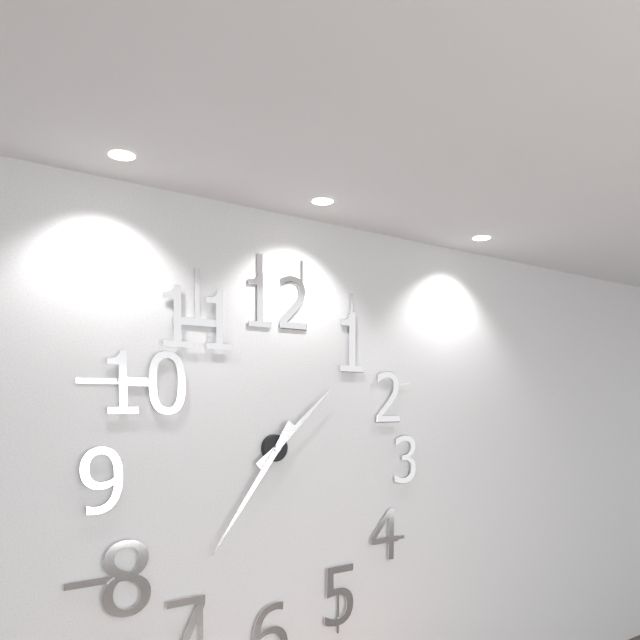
1 h 36 min
